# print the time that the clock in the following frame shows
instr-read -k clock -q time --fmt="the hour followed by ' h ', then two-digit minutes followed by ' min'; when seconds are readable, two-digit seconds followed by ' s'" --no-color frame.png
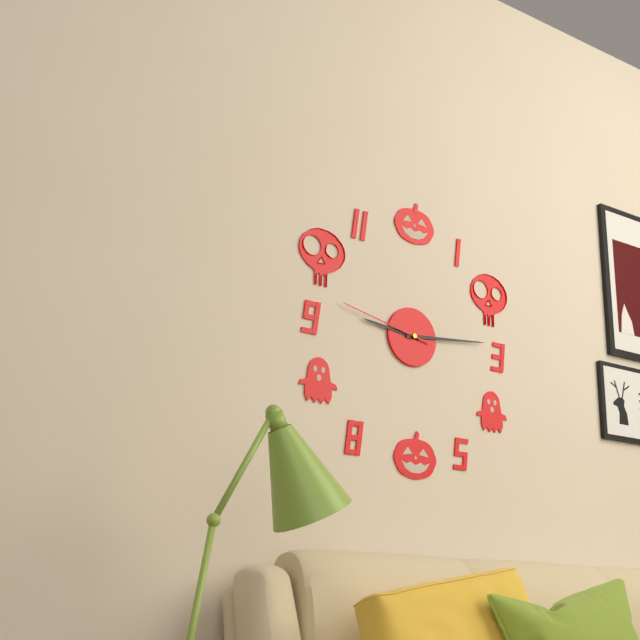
9 h 14 min 47 s
